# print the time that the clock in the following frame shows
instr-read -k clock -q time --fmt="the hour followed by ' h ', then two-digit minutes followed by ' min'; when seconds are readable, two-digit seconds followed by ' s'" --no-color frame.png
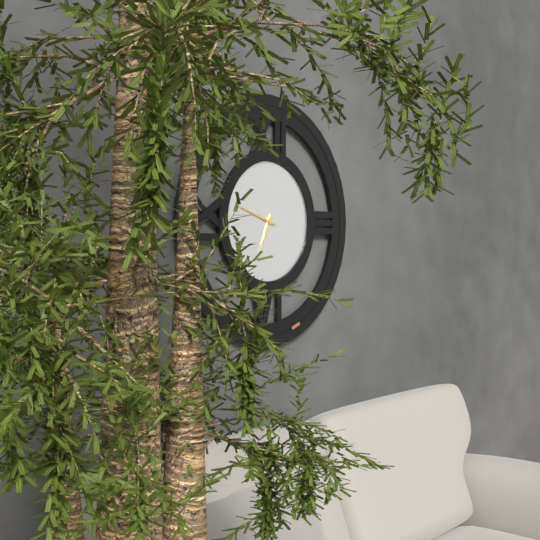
6 h 48 min
